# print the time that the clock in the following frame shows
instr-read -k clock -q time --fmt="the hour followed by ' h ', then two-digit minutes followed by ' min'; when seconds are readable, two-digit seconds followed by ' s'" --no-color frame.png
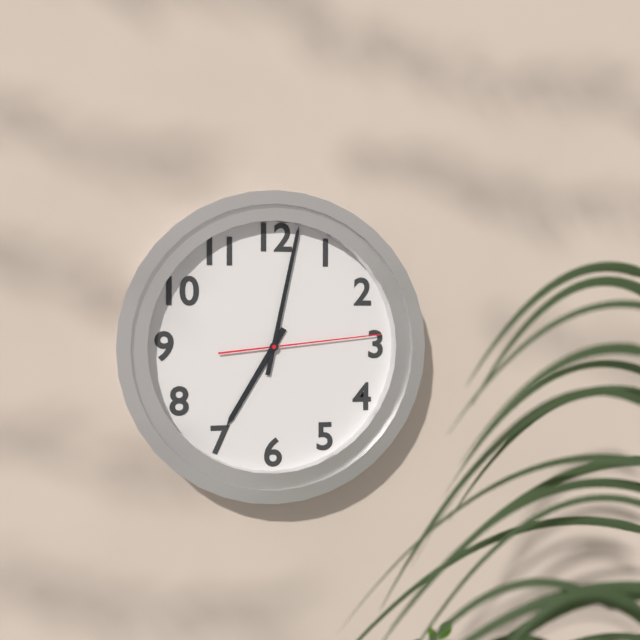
7 h 02 min 14 s
